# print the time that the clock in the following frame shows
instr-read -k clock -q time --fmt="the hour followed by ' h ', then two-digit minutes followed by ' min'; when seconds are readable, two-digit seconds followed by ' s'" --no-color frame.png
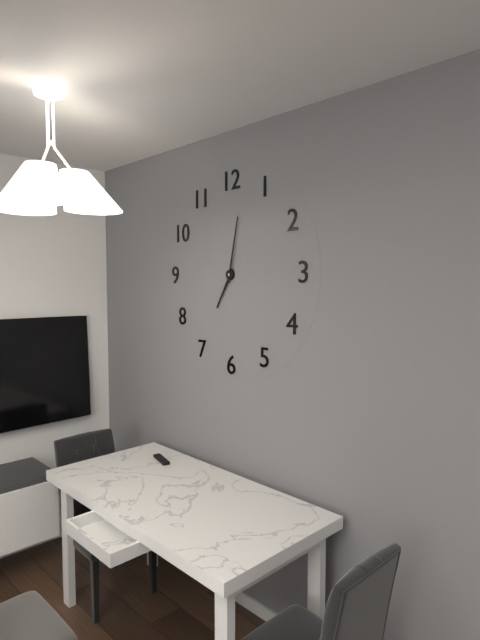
7 h 02 min
